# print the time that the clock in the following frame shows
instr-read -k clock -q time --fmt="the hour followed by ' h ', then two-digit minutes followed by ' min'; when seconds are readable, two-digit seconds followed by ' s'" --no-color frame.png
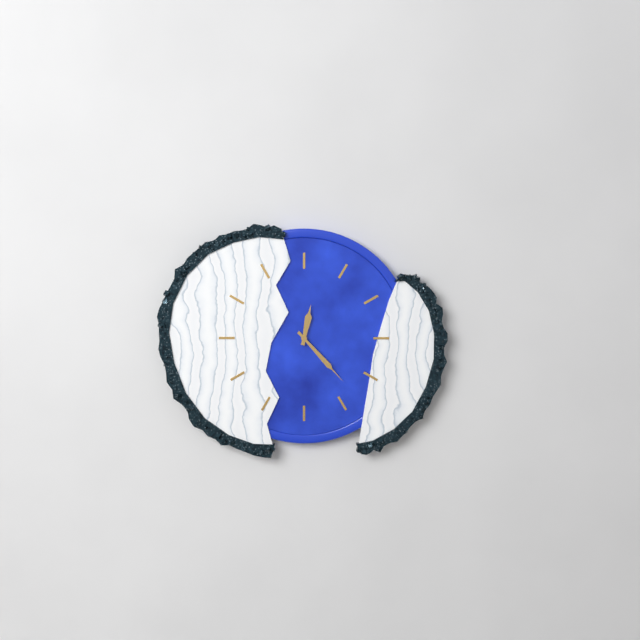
12 h 23 min
